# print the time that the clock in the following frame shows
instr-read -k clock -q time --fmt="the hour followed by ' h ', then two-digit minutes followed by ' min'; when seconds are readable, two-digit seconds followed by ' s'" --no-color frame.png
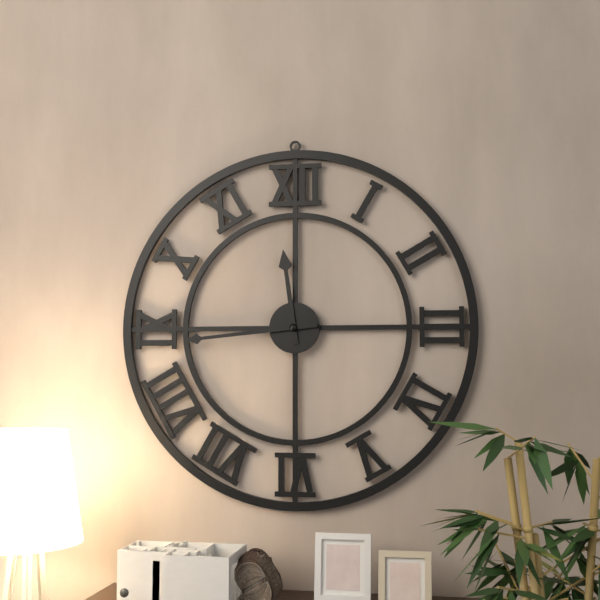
11 h 44 min
